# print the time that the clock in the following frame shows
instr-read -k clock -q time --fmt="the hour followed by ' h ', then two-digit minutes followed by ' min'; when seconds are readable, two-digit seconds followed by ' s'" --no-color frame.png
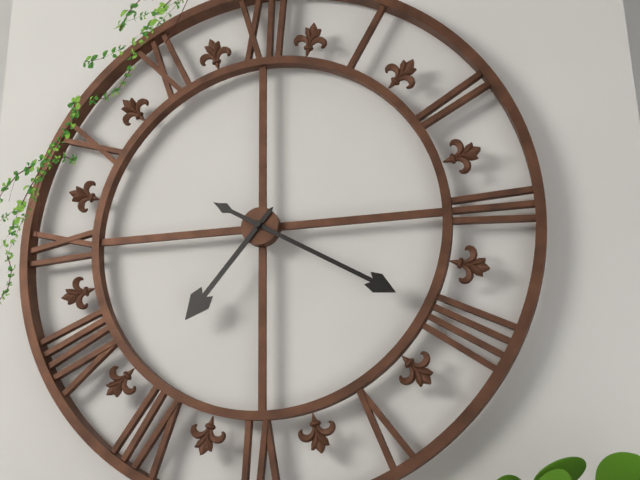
7 h 20 min
